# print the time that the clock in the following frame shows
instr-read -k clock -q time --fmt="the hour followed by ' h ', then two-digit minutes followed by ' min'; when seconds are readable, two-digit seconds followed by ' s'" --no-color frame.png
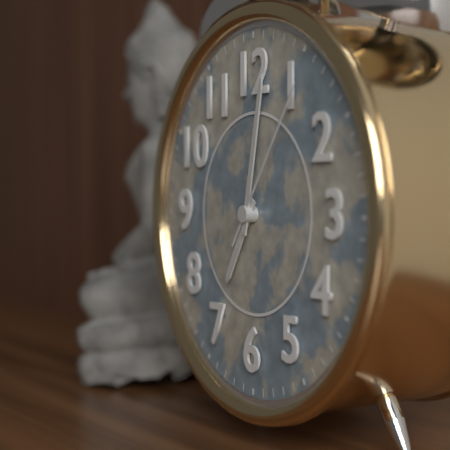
7 h 02 min 06 s
